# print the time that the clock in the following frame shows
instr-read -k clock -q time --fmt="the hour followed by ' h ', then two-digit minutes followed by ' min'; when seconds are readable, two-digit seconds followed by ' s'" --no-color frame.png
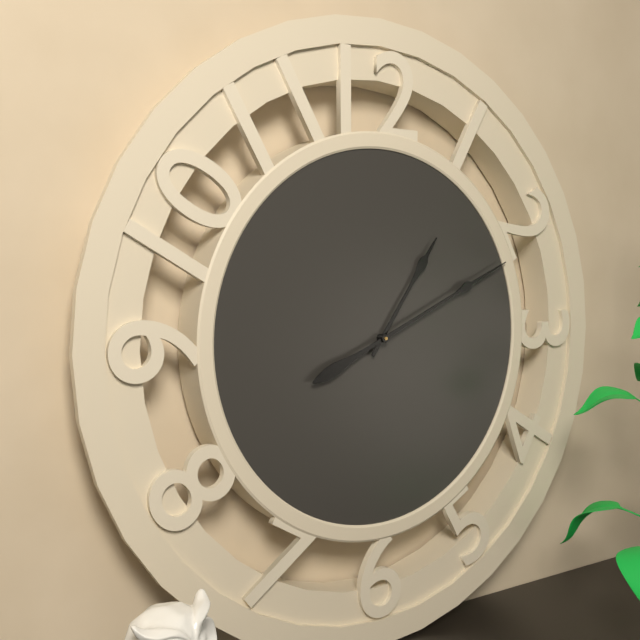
1 h 11 min
